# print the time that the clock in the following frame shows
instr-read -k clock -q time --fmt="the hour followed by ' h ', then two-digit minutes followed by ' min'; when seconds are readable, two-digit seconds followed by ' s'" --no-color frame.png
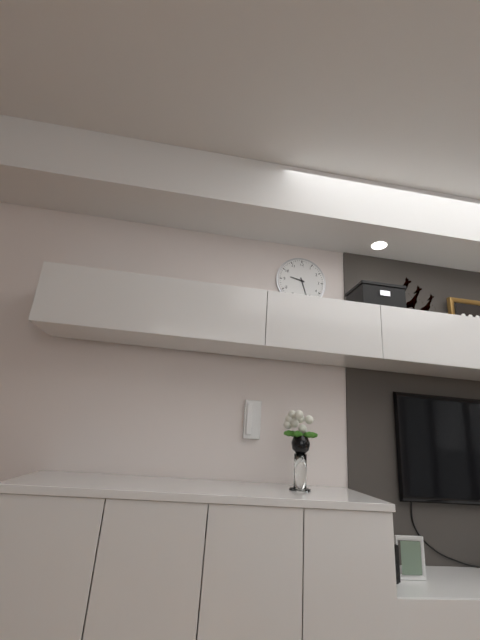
9 h 27 min
